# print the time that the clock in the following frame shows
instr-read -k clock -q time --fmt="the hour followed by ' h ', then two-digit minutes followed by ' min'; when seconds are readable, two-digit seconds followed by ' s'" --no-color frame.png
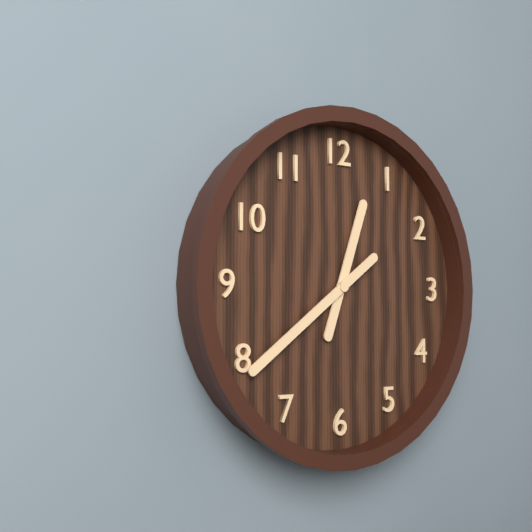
12 h 39 min
